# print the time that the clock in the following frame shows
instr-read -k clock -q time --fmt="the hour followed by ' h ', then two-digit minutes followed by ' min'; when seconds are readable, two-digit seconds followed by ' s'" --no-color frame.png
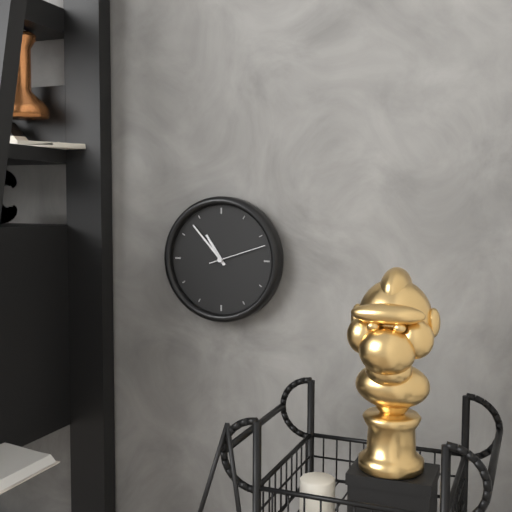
10 h 53 min 12 s
